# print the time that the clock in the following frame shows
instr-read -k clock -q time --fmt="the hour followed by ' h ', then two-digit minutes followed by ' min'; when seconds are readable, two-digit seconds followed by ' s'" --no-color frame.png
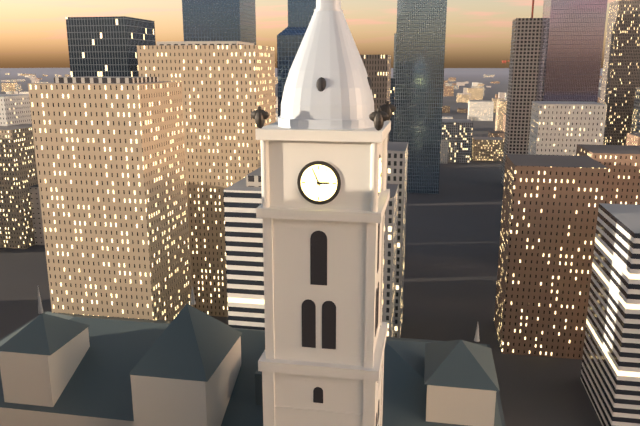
2 h 56 min
